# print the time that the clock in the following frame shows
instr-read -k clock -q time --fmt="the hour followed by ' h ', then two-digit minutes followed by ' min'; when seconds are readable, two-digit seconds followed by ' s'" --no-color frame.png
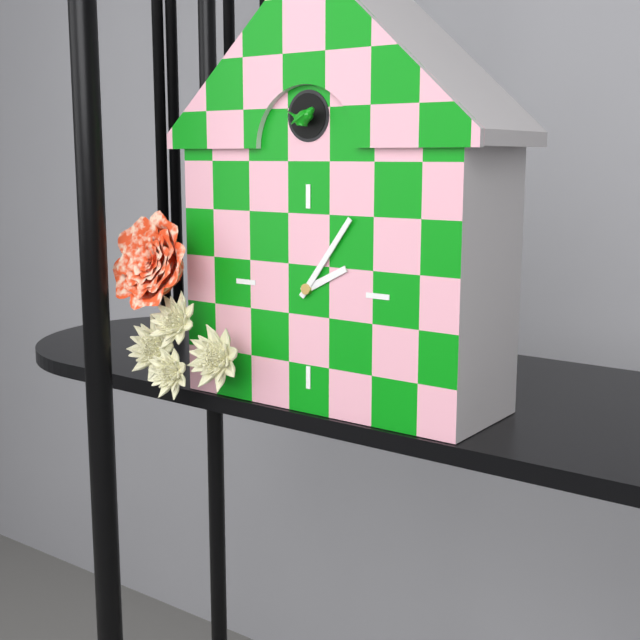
2 h 06 min
